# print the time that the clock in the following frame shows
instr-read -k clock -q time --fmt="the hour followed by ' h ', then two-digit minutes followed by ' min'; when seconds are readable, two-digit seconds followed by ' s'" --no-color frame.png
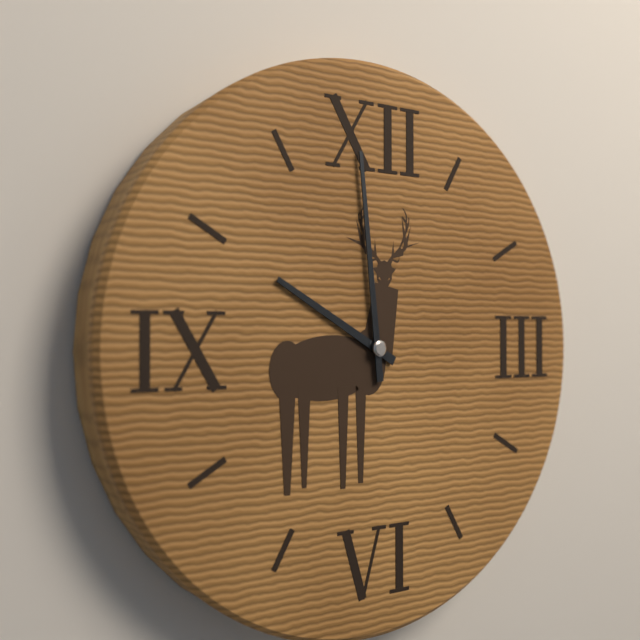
9 h 59 min
